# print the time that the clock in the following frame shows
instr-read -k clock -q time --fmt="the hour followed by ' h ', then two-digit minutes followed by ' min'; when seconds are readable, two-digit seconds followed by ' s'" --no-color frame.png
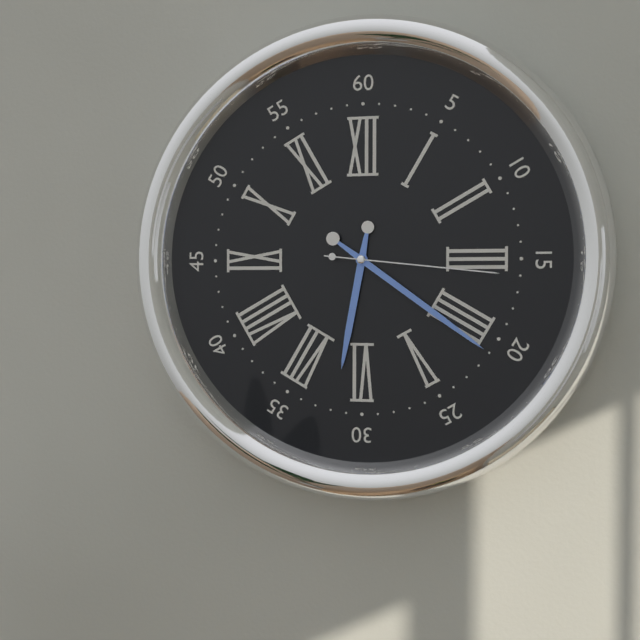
6 h 21 min 16 s
